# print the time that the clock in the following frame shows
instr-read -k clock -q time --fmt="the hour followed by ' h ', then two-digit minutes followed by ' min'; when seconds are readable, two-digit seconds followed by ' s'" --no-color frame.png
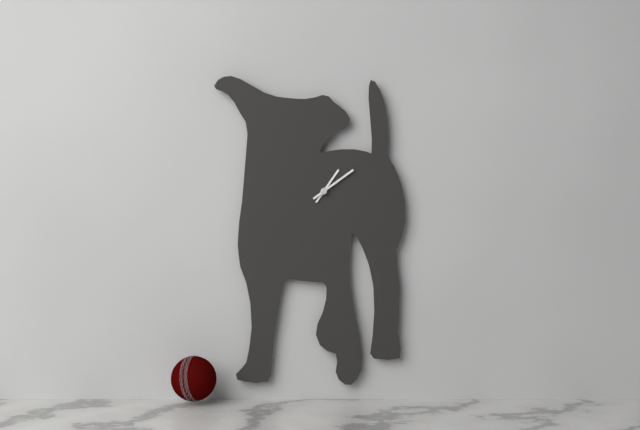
1 h 09 min
